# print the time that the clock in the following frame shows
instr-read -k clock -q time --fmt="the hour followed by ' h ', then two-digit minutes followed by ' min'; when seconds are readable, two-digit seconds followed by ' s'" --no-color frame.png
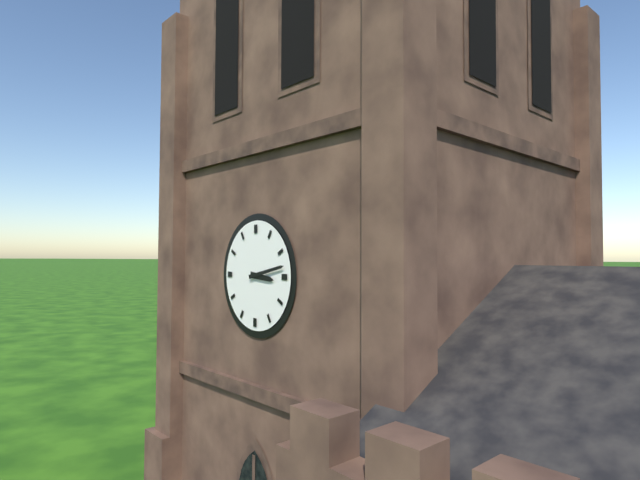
3 h 13 min
